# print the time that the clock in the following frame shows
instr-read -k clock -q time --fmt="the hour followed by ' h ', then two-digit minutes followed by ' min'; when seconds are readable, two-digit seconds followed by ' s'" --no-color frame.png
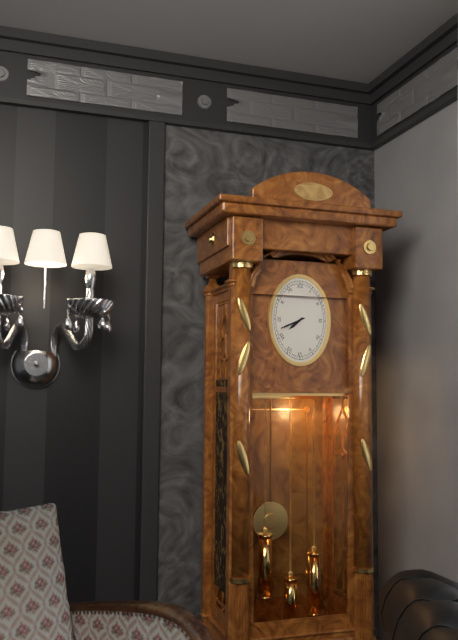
7 h 41 min
